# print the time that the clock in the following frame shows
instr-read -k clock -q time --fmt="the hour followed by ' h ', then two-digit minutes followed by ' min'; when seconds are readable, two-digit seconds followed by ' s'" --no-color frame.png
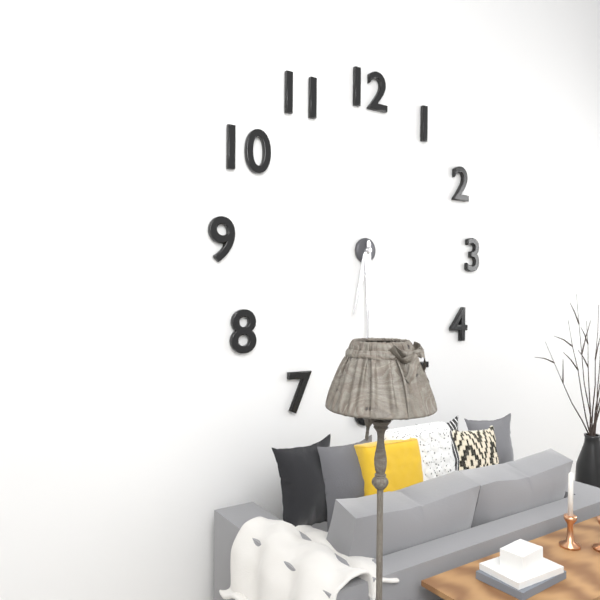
6 h 30 min
